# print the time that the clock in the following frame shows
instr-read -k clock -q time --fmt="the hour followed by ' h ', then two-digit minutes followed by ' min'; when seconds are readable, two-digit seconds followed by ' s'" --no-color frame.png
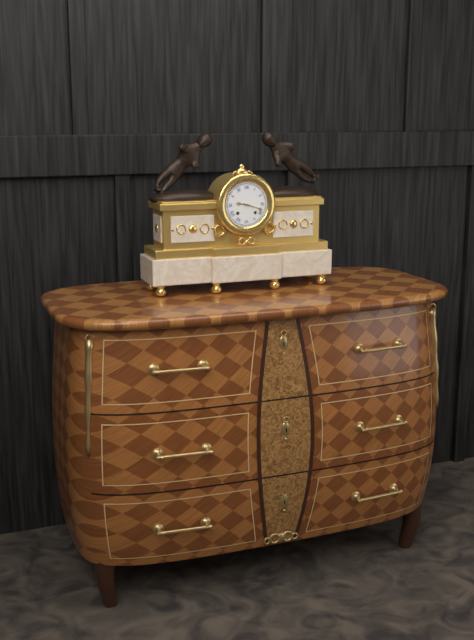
9 h 18 min
